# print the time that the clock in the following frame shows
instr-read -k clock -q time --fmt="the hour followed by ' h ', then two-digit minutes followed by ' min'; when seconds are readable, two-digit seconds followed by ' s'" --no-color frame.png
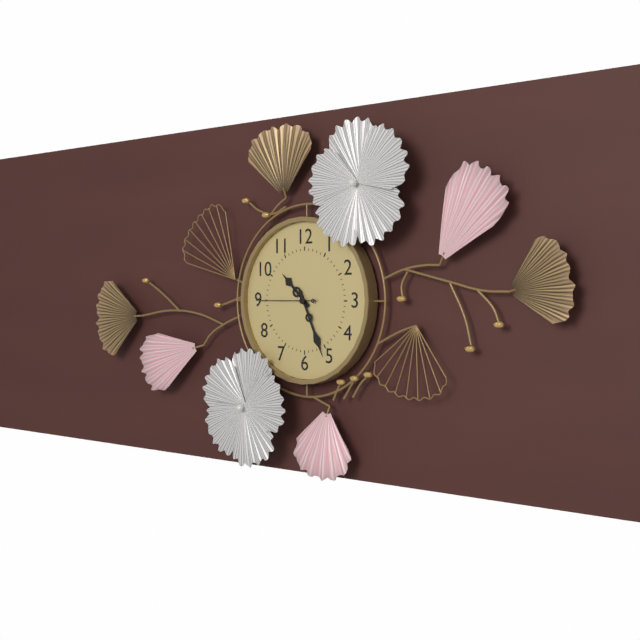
10 h 26 min 45 s
